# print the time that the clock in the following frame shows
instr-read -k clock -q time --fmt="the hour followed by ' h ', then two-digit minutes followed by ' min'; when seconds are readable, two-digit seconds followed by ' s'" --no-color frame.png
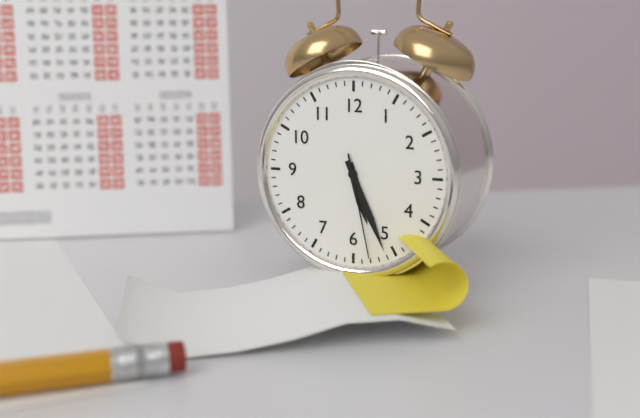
5 h 26 min 28 s
